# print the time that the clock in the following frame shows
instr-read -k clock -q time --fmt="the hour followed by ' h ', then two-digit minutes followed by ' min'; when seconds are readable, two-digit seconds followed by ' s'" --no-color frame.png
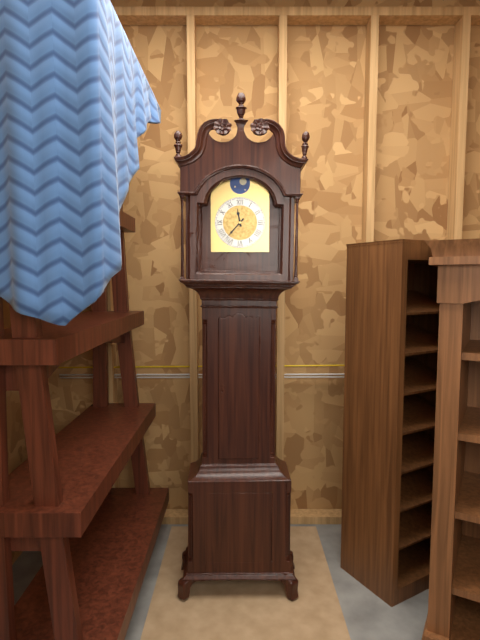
11 h 37 min
